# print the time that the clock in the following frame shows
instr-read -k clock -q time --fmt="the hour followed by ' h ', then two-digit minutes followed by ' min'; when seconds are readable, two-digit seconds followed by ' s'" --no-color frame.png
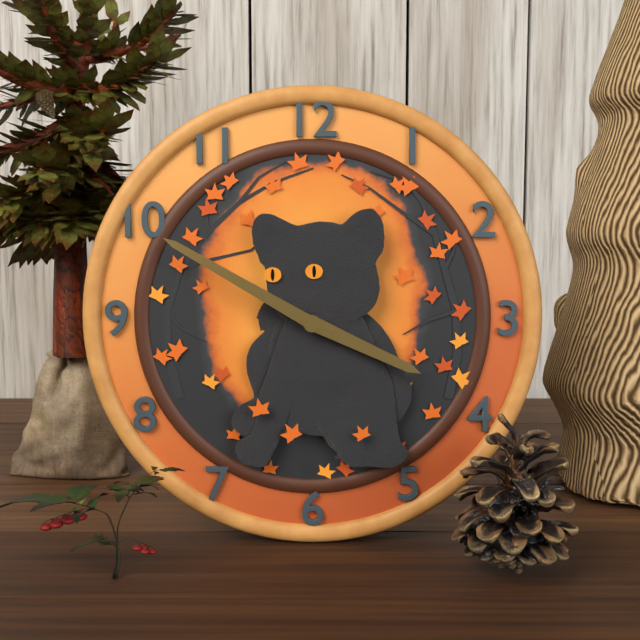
3 h 50 min
